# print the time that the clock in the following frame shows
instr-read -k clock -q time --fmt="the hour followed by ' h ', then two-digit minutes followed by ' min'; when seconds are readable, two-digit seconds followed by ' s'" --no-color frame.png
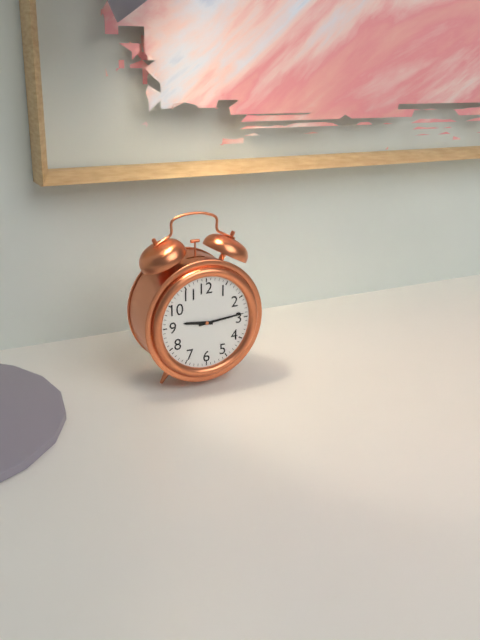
9 h 14 min
